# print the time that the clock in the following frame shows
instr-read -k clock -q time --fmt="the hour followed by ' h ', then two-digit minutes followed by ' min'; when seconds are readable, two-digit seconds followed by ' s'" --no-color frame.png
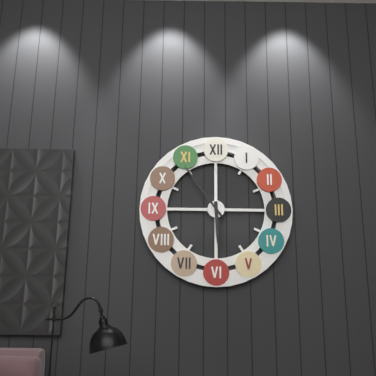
5 h 54 min
